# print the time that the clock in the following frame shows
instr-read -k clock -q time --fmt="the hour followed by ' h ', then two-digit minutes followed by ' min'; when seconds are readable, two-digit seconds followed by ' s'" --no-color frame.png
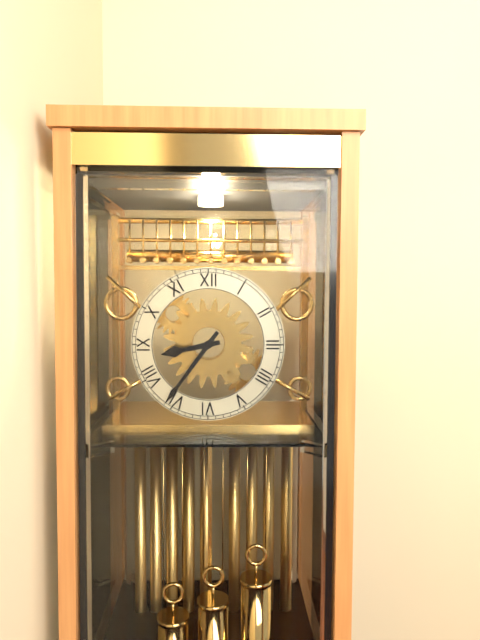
8 h 36 min
